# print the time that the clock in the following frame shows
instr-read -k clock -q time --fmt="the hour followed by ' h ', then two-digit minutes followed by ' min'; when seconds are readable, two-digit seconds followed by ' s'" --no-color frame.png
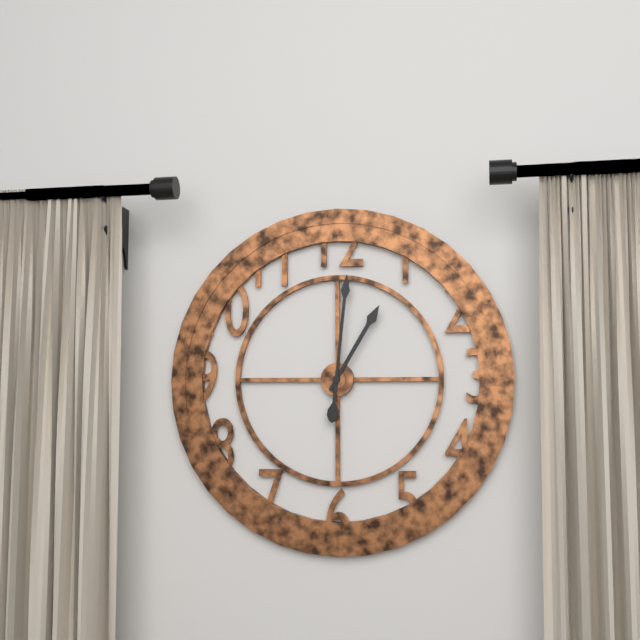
1 h 01 min
